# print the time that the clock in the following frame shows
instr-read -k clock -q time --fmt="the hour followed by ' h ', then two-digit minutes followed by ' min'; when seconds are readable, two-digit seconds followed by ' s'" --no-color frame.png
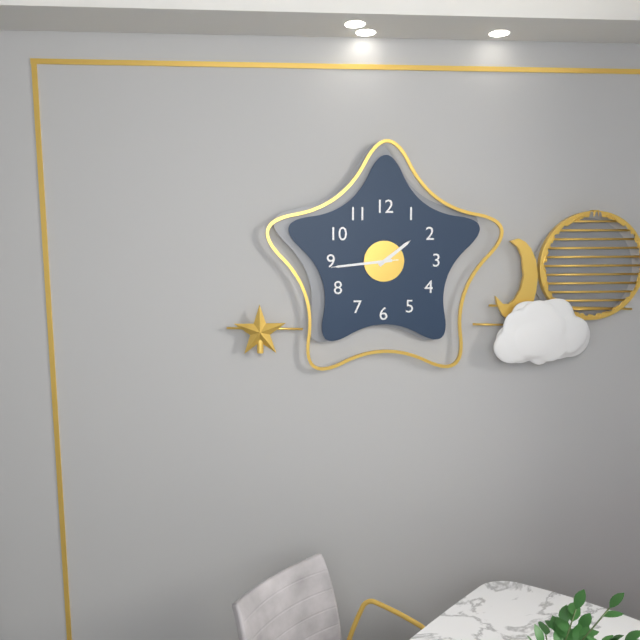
1 h 44 min 44 s
